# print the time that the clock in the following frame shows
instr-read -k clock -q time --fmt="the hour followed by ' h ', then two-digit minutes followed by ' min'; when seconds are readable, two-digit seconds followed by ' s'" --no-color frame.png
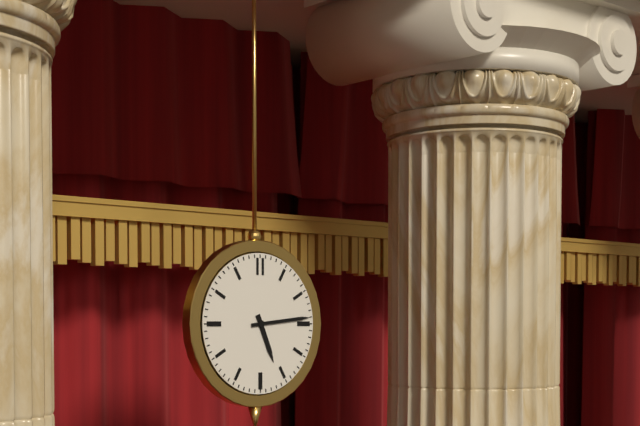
5 h 14 min
